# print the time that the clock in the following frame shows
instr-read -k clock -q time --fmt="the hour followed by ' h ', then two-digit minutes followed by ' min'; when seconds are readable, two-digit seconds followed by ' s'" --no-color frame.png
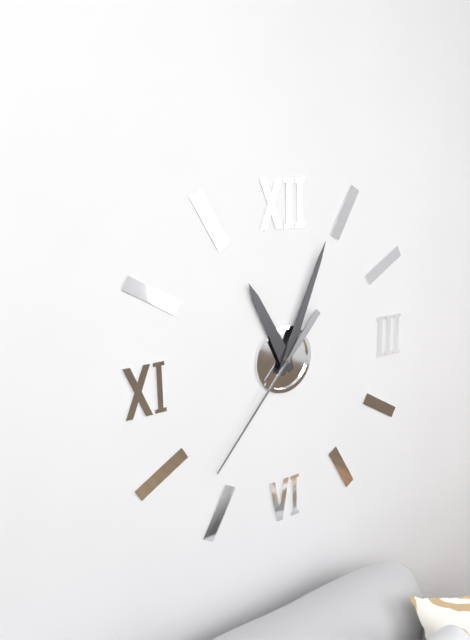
11 h 04 min 37 s
